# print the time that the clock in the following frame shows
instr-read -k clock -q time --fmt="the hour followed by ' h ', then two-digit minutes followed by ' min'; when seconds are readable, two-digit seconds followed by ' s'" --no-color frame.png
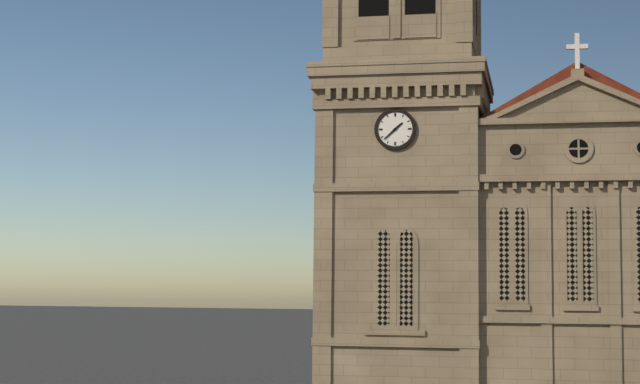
1 h 38 min
